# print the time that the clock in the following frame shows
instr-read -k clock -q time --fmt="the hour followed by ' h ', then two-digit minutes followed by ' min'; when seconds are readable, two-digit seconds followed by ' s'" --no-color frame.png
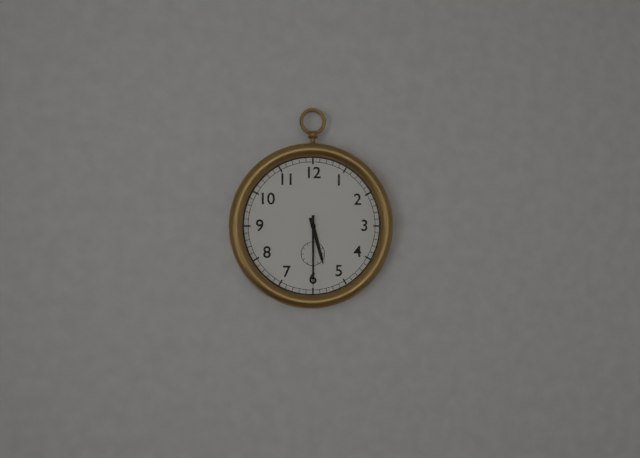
5 h 30 min
